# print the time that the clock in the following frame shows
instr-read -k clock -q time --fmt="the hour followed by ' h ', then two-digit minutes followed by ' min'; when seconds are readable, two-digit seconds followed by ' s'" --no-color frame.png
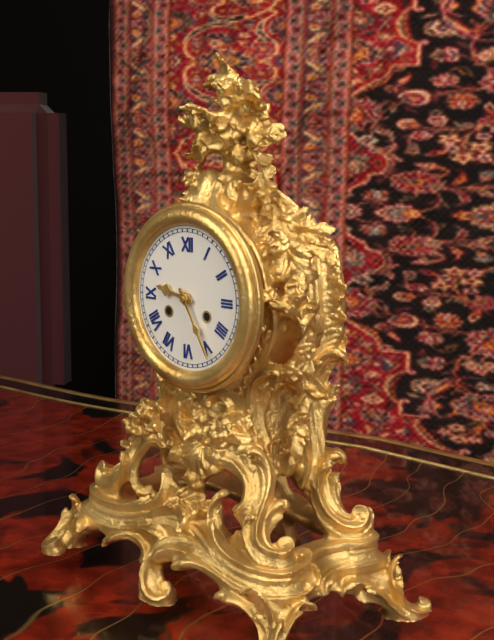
9 h 25 min
